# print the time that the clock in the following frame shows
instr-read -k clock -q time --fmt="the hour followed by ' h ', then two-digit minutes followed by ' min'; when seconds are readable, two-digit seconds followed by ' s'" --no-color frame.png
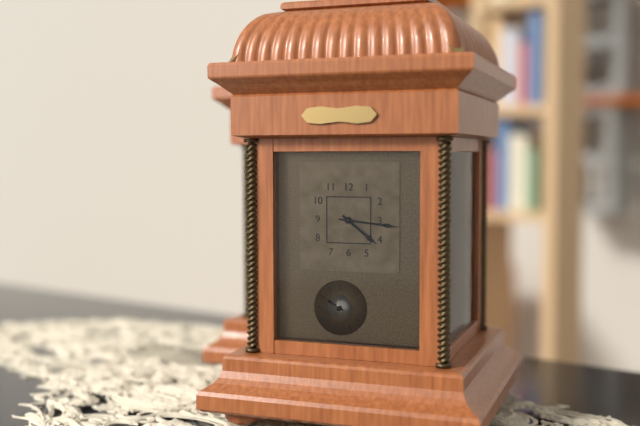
4 h 16 min
